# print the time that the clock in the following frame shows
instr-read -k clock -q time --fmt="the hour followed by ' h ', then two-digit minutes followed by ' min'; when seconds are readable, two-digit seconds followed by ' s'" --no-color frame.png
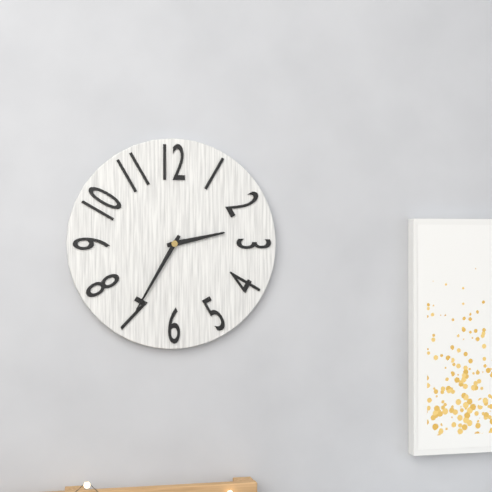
2 h 35 min
